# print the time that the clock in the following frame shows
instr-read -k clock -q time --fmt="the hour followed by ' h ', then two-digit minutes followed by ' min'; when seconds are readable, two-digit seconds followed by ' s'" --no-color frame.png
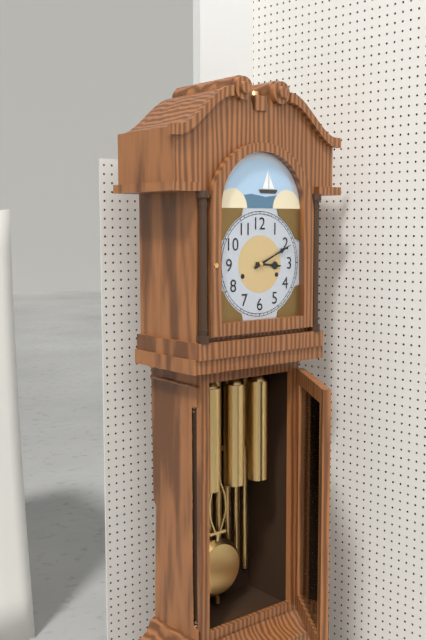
3 h 11 min
